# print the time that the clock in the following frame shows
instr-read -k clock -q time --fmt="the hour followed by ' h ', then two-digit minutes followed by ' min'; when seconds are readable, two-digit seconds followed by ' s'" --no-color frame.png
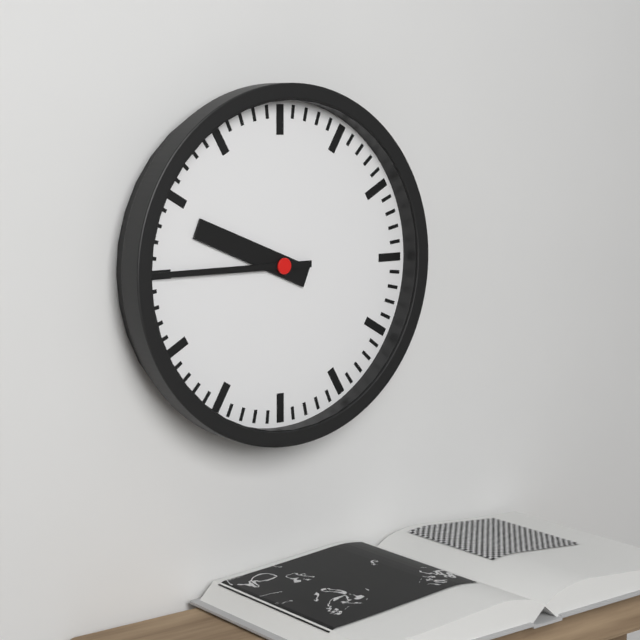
9 h 45 min
